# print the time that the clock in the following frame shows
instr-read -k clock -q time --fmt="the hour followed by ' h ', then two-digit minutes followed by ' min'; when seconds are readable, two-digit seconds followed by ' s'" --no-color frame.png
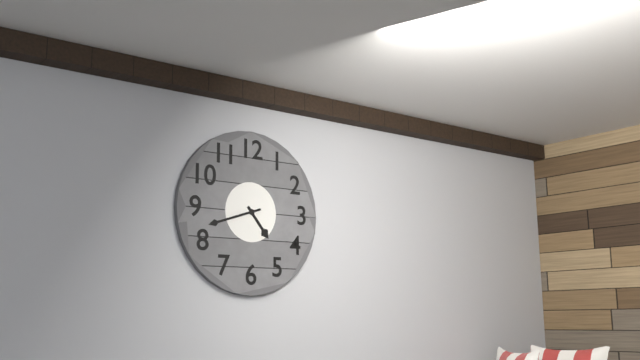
4 h 42 min
